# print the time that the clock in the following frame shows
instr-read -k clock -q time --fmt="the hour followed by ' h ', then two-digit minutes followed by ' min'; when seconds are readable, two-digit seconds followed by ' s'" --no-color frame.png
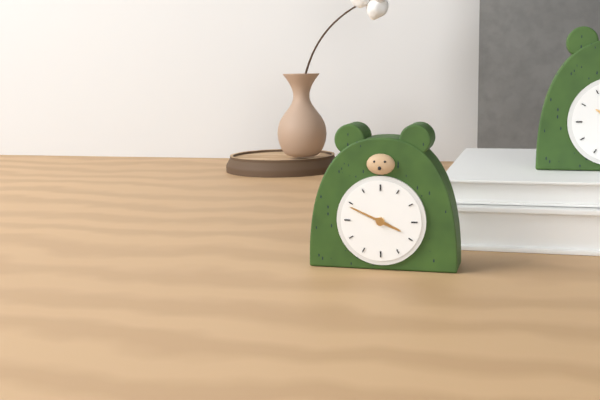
3 h 49 min
